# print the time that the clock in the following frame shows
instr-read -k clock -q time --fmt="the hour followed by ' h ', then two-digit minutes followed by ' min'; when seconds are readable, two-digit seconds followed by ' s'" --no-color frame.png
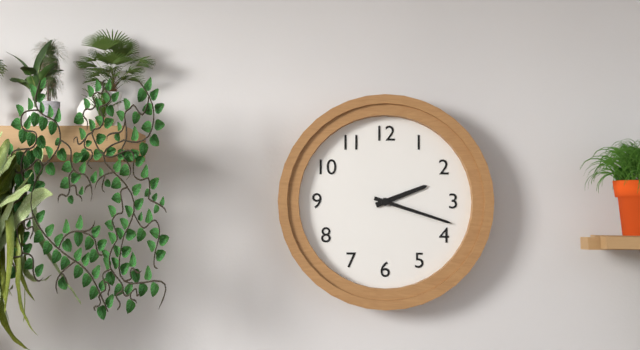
2 h 18 min
